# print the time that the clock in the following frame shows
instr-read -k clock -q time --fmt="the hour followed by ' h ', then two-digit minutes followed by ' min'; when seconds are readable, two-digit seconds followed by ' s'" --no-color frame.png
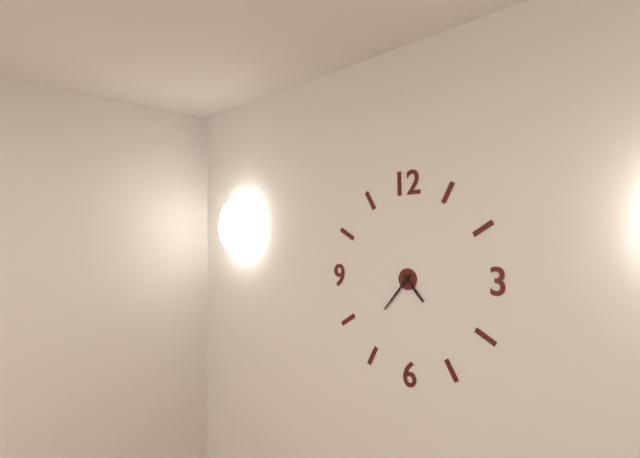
4 h 37 min
